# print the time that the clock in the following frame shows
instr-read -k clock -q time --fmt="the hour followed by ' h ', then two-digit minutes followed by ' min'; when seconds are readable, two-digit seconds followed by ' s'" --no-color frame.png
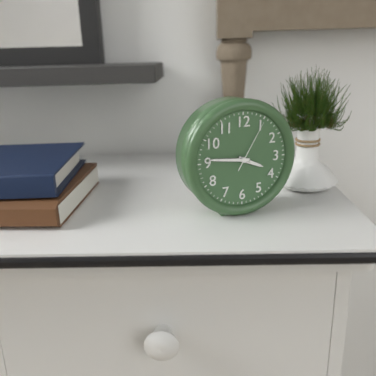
3 h 46 min 05 s
